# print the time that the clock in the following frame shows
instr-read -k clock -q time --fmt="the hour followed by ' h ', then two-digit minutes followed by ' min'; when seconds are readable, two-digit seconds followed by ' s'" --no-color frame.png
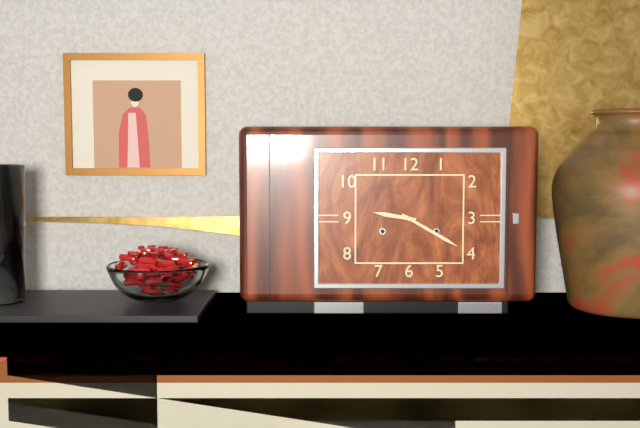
9 h 20 min
